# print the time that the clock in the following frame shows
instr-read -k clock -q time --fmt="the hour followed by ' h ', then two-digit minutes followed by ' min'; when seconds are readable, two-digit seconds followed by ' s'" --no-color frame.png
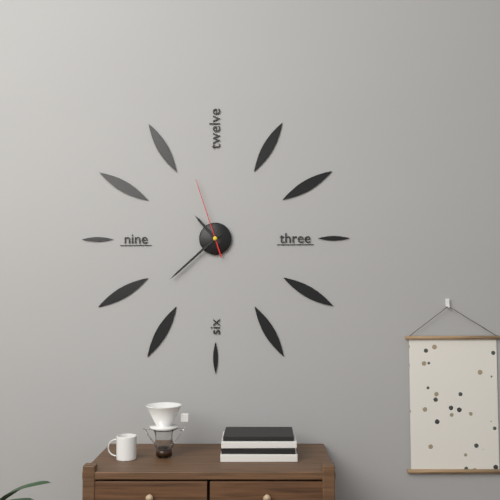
10 h 38 min 57 s
